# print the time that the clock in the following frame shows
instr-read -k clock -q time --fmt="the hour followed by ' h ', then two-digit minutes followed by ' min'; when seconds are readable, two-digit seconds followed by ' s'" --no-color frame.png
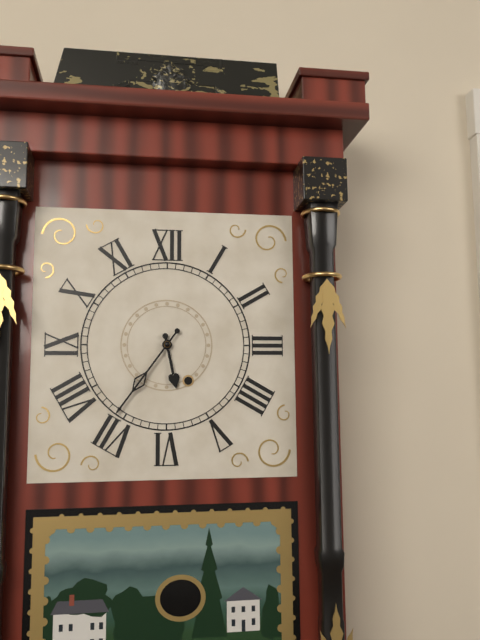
5 h 36 min
